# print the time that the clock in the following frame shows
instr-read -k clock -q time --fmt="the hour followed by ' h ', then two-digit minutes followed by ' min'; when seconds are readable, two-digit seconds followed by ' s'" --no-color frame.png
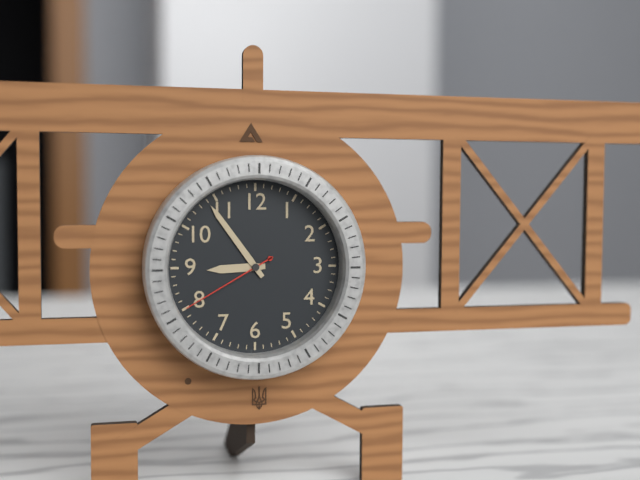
8 h 54 min 40 s
